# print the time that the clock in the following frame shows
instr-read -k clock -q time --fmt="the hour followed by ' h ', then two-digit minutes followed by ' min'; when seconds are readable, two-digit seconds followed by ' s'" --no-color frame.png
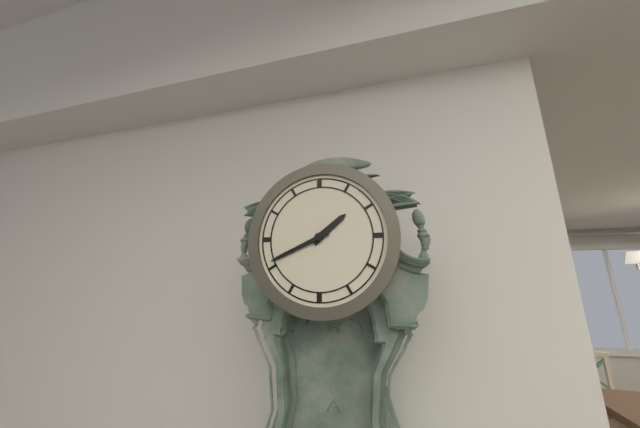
1 h 41 min
